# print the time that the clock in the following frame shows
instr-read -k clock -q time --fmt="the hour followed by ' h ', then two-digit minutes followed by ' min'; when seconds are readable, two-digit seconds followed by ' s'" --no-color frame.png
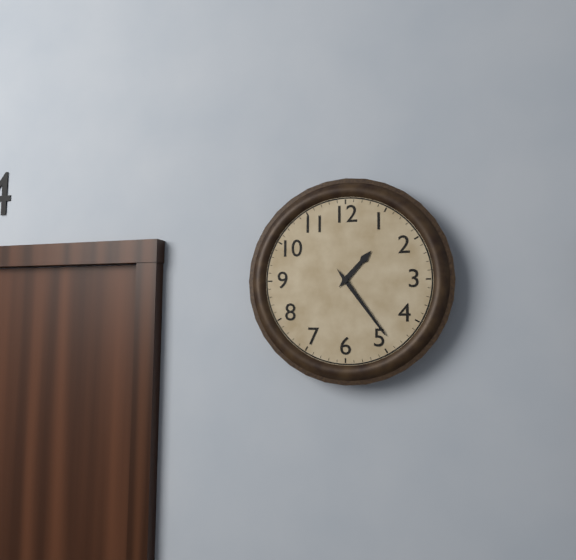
1 h 24 min
